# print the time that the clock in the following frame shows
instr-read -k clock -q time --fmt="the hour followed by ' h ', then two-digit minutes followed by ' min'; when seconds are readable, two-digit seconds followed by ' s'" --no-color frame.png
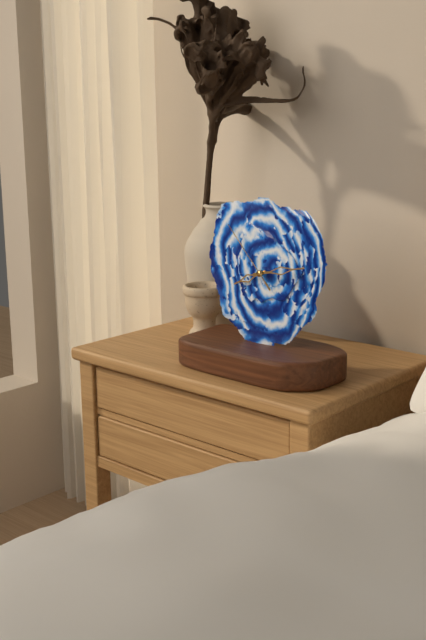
8 h 13 min 53 s
